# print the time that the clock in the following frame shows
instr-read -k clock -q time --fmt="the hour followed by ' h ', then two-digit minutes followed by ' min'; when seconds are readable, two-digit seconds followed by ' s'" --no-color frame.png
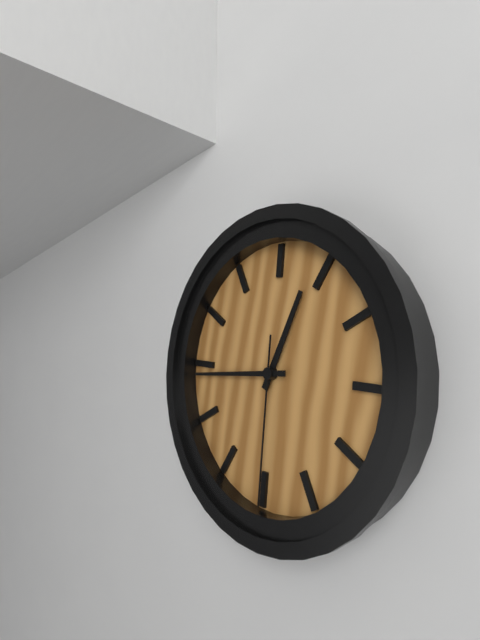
12 h 44 min 30 s
